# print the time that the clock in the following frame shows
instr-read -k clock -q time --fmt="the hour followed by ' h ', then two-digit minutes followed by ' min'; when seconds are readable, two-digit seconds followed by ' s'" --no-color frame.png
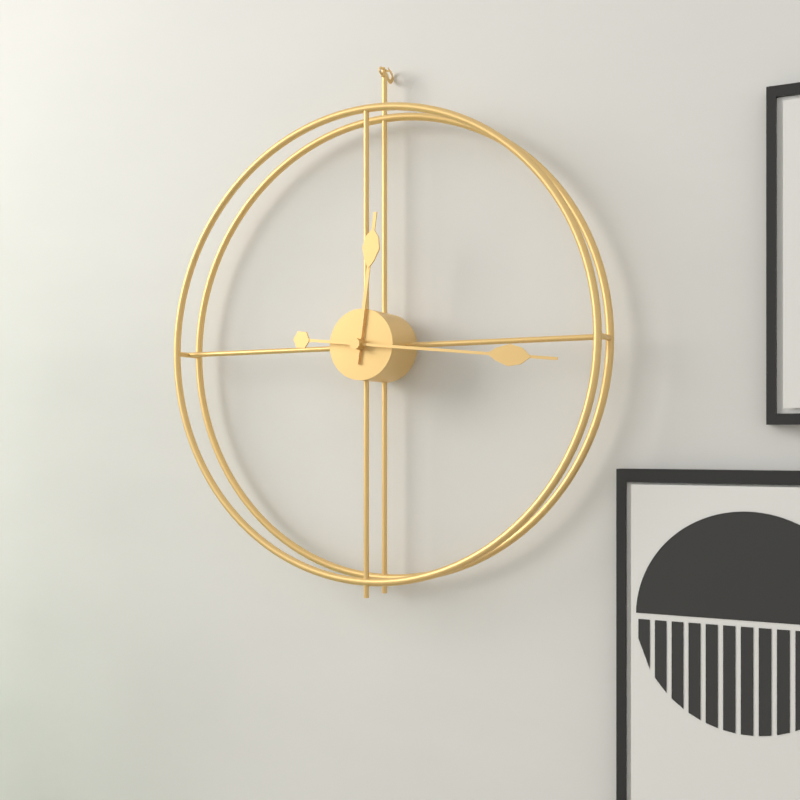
12 h 16 min
